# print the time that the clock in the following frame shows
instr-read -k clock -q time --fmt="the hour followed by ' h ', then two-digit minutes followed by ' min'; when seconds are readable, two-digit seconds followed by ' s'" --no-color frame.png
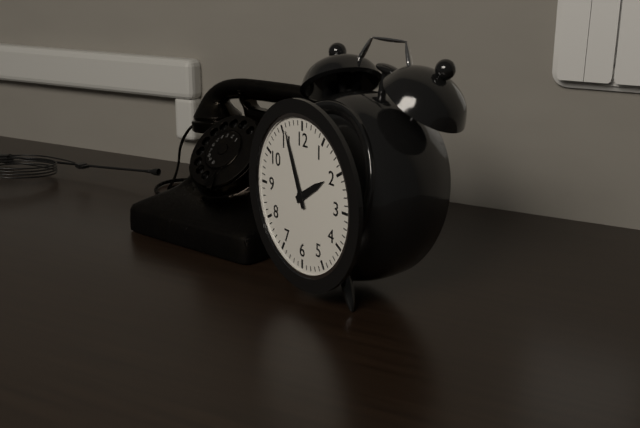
1 h 56 min
